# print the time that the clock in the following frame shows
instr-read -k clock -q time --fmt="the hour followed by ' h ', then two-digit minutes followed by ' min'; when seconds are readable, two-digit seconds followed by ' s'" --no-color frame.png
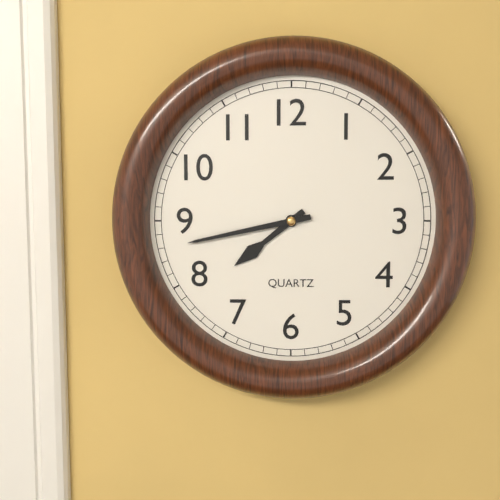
7 h 43 min
